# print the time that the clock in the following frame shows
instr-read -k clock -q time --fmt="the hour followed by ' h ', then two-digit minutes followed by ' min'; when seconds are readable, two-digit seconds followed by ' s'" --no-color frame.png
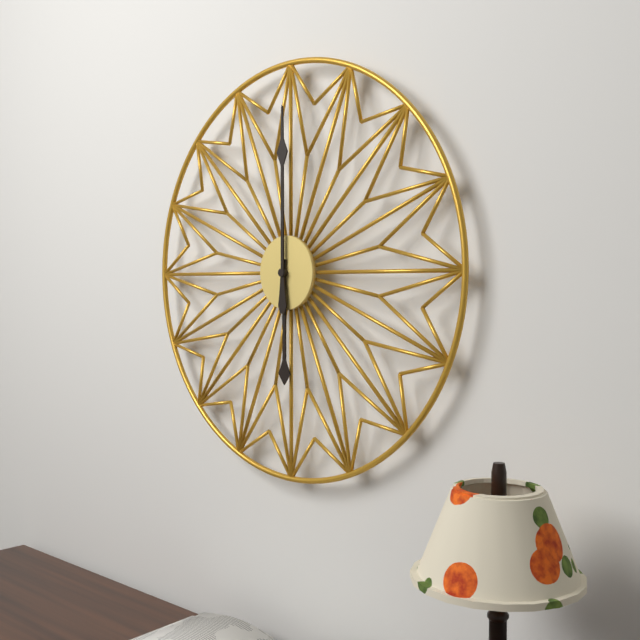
6 h 00 min
